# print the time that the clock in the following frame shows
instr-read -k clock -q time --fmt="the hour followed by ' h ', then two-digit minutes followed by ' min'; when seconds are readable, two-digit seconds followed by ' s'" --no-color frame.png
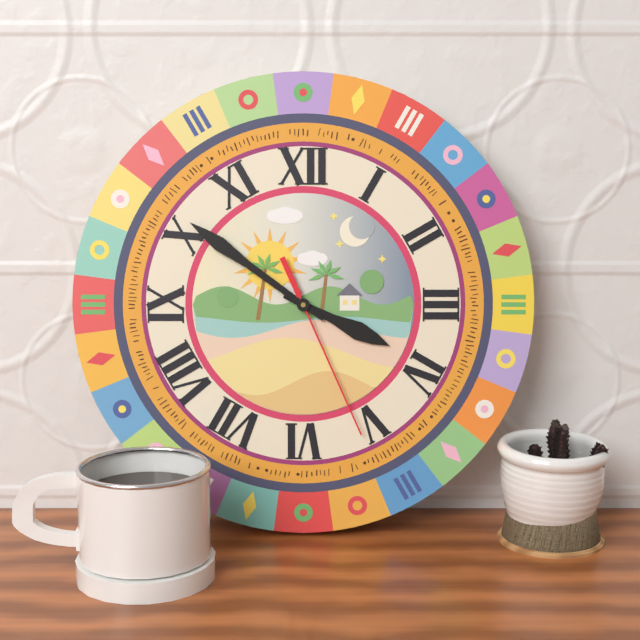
3 h 51 min 26 s
